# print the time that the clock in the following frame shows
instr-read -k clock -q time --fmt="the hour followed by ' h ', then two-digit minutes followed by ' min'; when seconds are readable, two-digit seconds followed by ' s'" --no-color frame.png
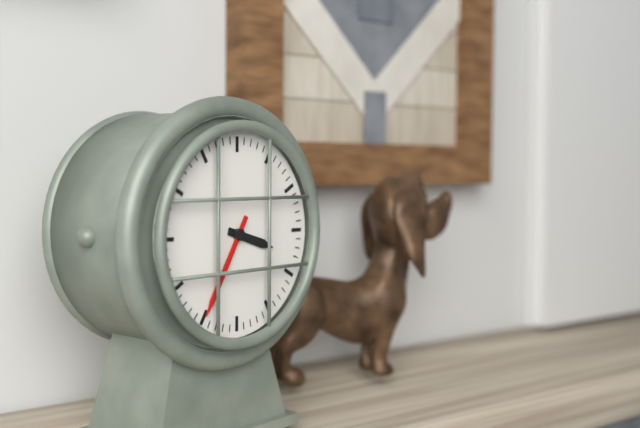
3 h 35 min
